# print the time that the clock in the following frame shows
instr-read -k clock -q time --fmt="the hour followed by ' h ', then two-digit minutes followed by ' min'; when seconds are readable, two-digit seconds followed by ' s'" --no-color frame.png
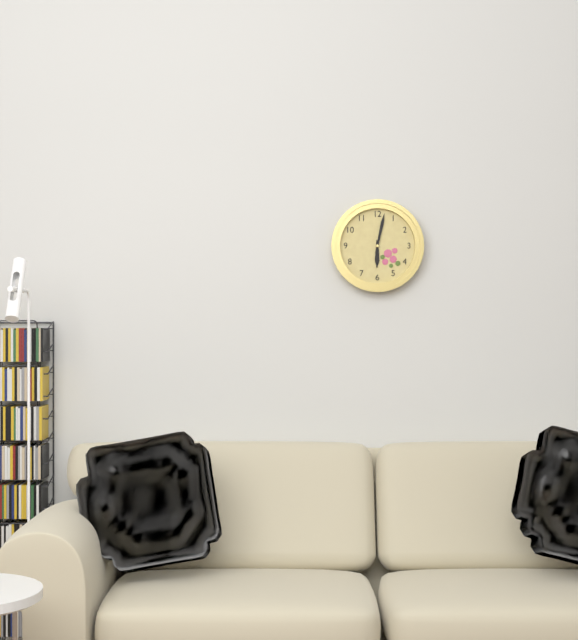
6 h 02 min
